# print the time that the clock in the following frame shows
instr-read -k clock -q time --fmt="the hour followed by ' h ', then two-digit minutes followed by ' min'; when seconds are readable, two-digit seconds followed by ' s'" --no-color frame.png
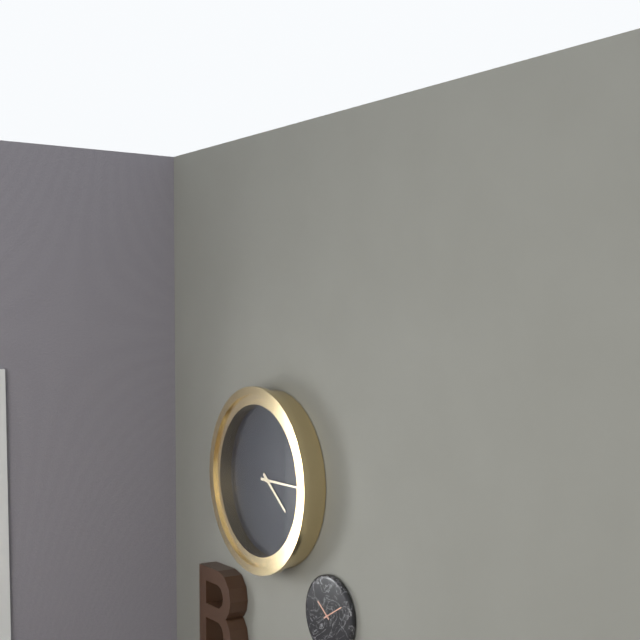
4 h 15 min
